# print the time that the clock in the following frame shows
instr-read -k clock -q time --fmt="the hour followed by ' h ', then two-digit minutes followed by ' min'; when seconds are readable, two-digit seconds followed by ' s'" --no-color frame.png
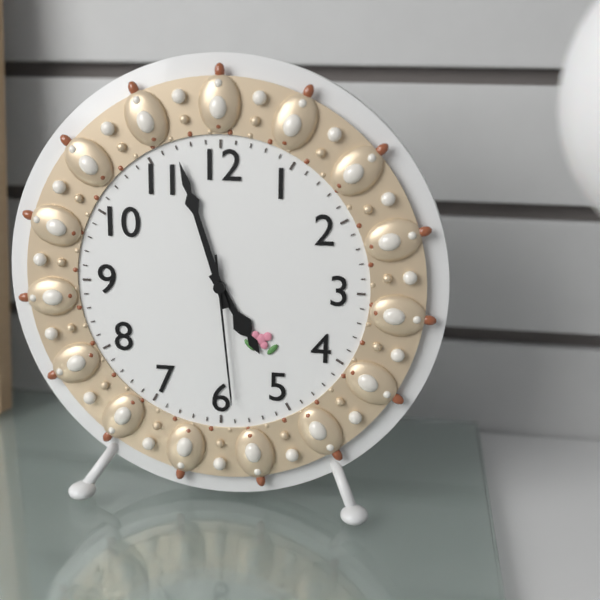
4 h 57 min 29 s
